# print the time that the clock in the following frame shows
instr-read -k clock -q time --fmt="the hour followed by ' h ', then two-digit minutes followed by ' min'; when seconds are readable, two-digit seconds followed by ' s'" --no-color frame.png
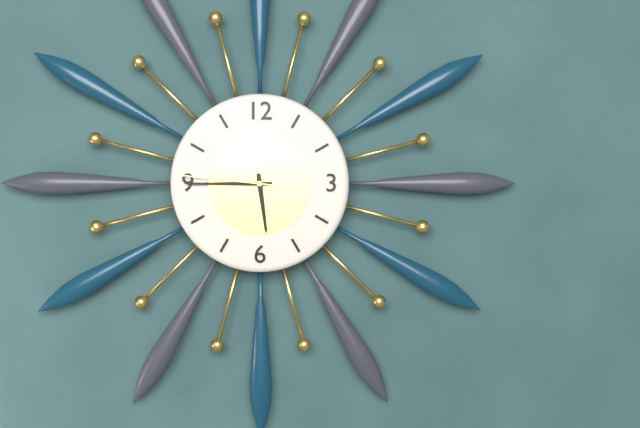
5 h 45 min 46 s
